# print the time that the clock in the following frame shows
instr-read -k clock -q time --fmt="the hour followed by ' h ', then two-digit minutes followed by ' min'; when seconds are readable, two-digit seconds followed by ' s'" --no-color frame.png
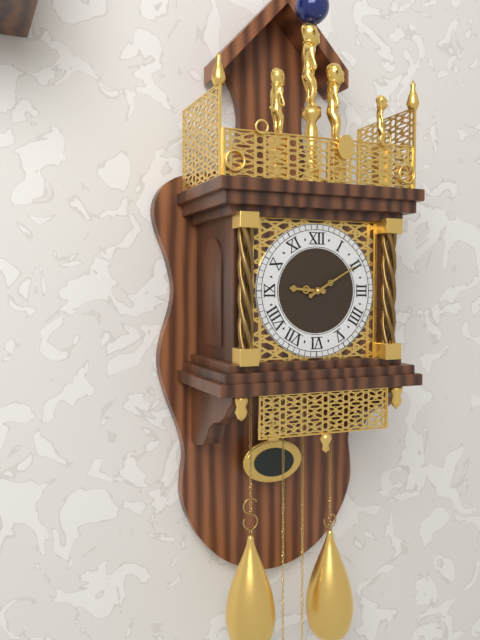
9 h 10 min
